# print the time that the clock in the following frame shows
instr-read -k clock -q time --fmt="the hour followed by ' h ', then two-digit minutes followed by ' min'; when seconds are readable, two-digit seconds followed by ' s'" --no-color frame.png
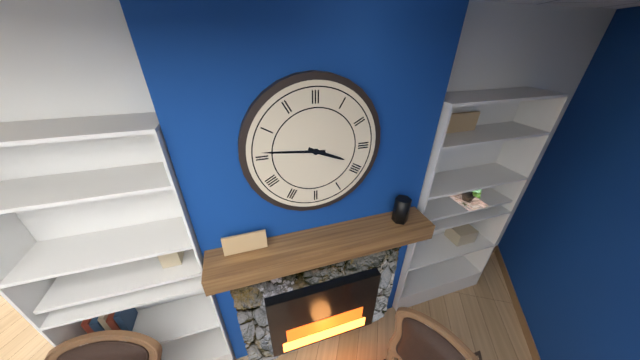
3 h 46 min
